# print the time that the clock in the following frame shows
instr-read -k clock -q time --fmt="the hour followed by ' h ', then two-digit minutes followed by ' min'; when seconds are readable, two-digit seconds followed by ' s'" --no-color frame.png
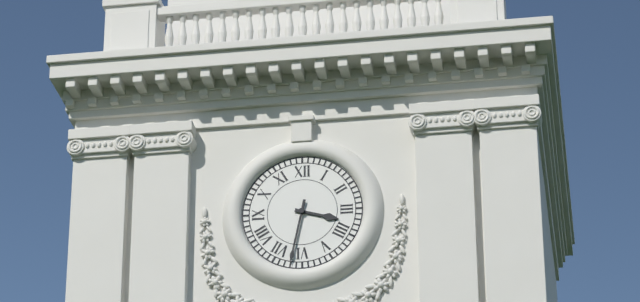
3 h 32 min
